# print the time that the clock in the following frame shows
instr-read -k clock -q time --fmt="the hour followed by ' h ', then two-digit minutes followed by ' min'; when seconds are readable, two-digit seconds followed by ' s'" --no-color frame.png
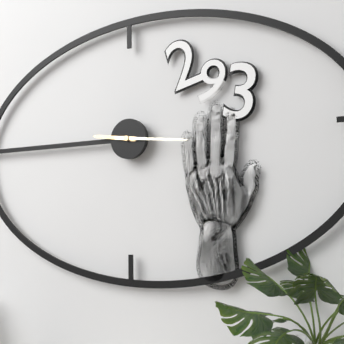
9 h 16 min
